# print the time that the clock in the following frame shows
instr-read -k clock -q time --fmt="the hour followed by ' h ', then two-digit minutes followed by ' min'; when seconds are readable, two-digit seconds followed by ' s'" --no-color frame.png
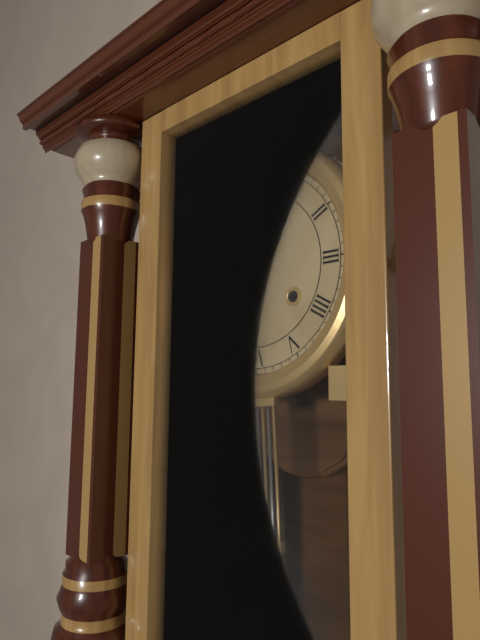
1 h 06 min
